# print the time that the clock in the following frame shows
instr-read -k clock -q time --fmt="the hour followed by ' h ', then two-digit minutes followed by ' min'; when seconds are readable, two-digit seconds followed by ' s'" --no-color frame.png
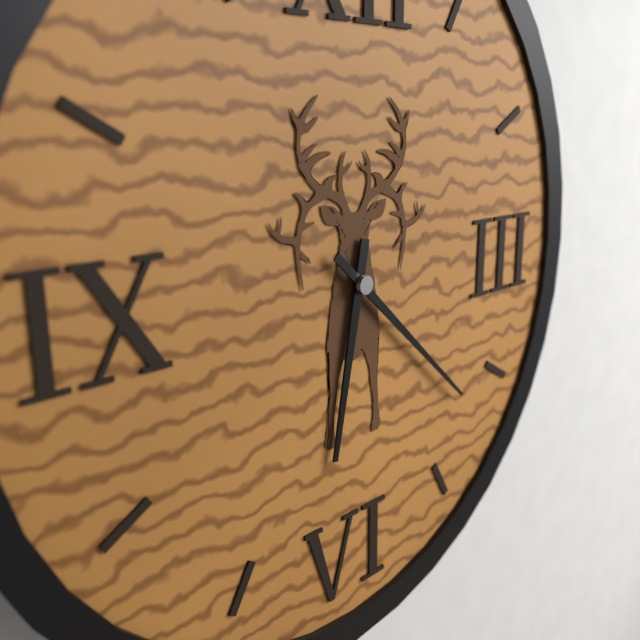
6 h 22 min
